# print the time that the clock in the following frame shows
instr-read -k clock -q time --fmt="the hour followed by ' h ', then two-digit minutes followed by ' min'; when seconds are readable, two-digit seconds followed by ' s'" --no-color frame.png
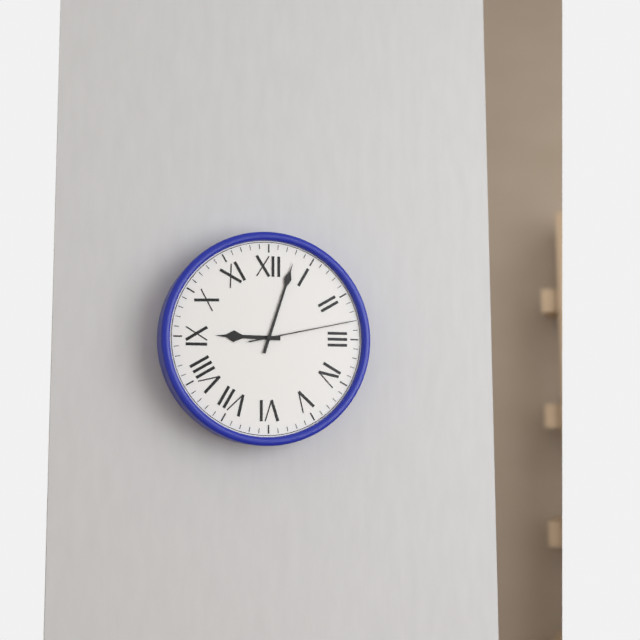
9 h 03 min 13 s
